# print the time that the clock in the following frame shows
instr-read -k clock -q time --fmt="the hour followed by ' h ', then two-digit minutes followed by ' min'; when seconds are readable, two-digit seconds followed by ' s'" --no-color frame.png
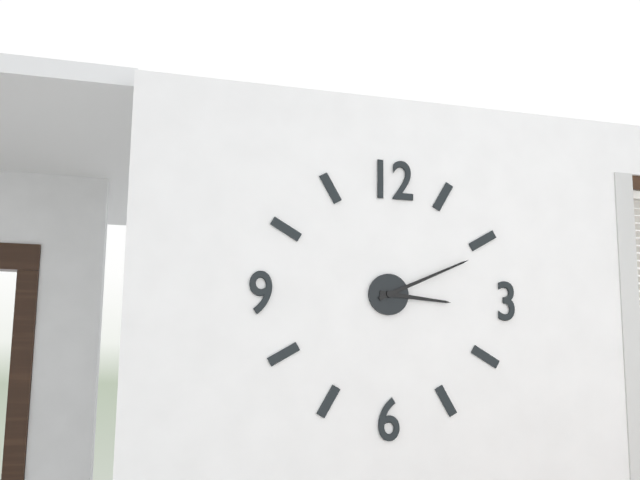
3 h 11 min
